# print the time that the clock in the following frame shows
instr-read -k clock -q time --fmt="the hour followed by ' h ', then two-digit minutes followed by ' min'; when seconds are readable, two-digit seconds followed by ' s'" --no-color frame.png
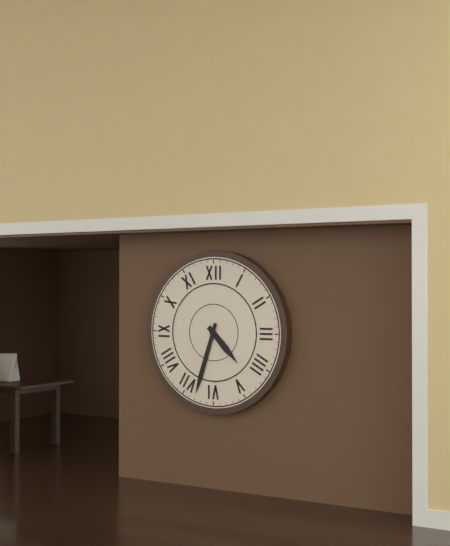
4 h 33 min
